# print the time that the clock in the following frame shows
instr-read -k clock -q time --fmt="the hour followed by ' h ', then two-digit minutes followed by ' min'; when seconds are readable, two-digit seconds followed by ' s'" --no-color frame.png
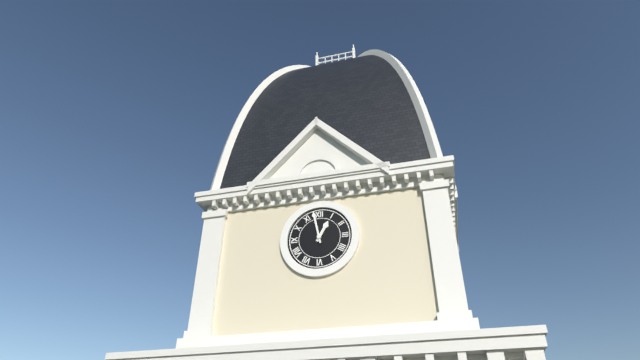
12 h 58 min
